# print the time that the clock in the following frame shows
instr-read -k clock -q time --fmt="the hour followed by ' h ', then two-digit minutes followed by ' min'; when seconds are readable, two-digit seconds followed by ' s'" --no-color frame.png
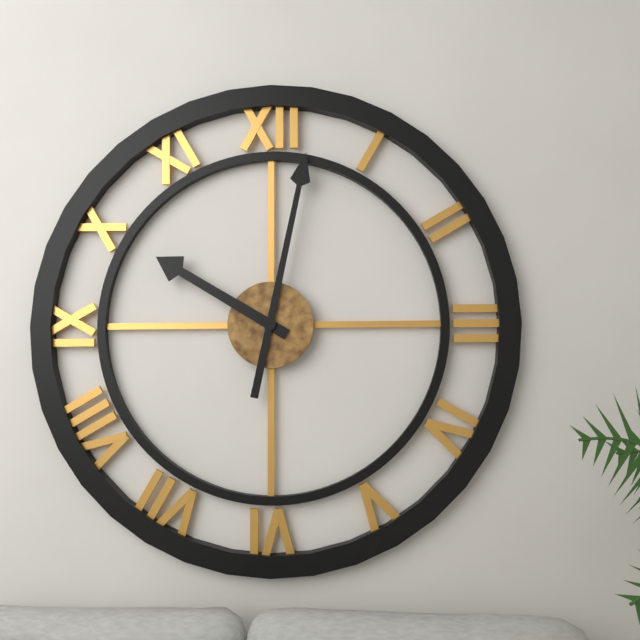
10 h 02 min
